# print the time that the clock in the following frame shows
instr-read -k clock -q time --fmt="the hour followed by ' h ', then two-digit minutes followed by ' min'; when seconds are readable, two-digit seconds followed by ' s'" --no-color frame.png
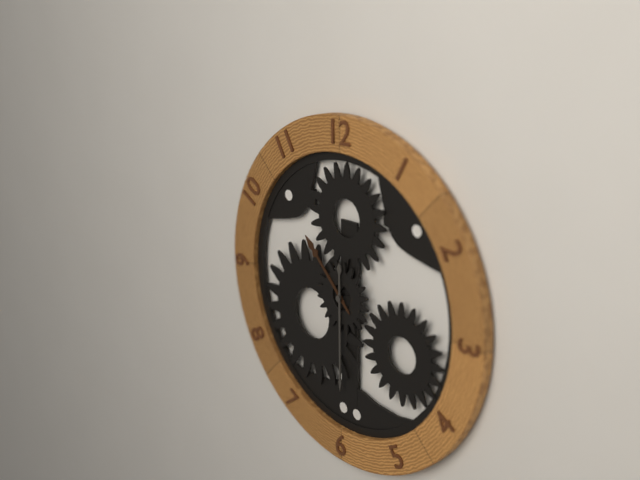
10 h 30 min
